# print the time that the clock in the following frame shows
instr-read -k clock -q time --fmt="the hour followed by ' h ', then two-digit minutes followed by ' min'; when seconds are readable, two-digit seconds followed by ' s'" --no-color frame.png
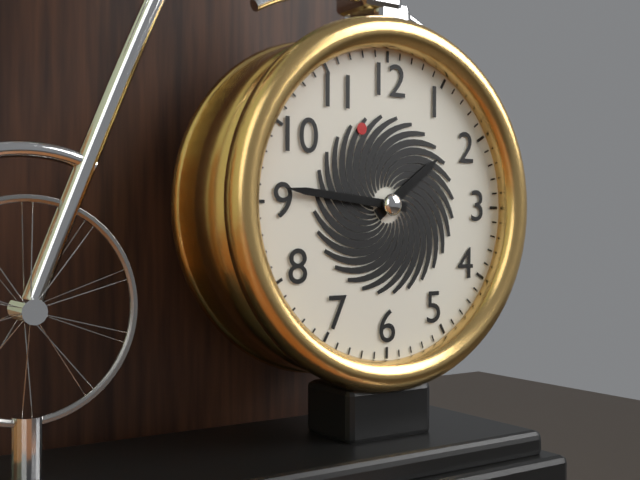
1 h 46 min
